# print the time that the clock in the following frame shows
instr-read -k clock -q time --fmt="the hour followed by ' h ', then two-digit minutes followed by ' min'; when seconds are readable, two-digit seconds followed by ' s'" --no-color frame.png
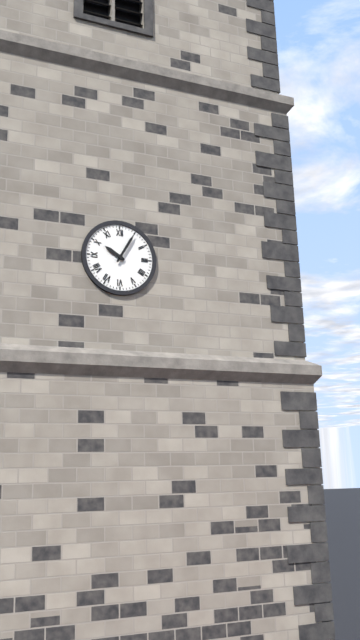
10 h 05 min
